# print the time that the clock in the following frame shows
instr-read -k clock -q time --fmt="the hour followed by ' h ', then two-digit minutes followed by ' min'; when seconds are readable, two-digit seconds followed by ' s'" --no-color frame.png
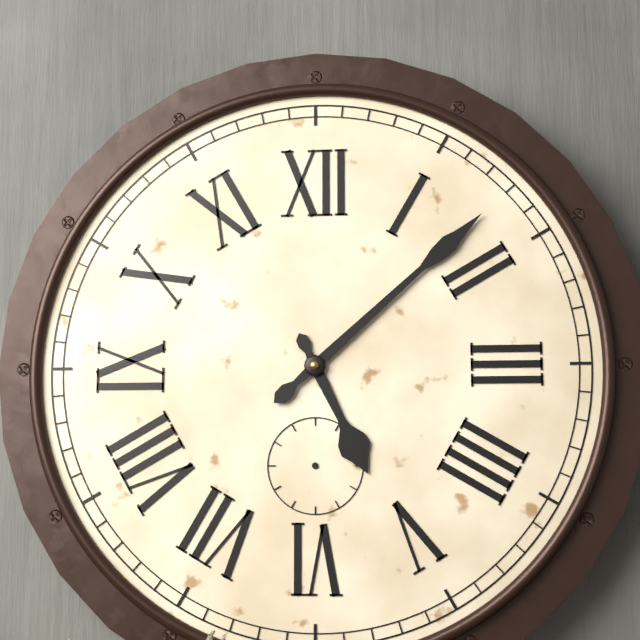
5 h 08 min
